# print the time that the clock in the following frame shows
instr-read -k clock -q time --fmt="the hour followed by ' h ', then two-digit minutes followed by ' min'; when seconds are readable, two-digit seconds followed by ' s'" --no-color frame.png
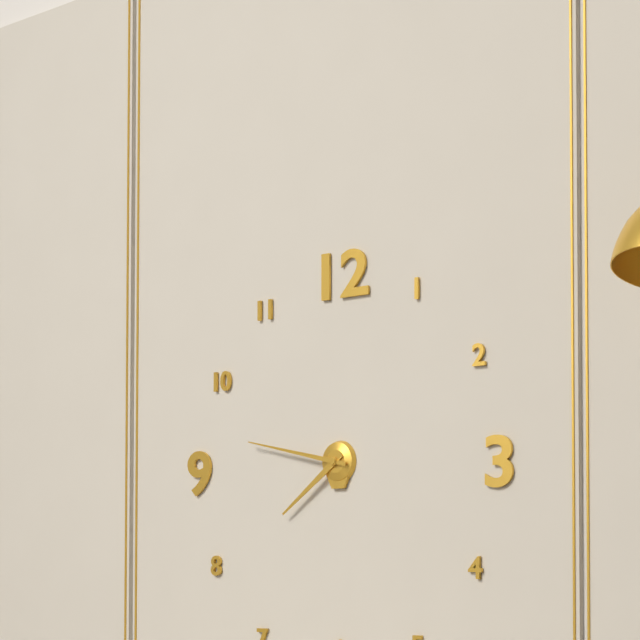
7 h 47 min
